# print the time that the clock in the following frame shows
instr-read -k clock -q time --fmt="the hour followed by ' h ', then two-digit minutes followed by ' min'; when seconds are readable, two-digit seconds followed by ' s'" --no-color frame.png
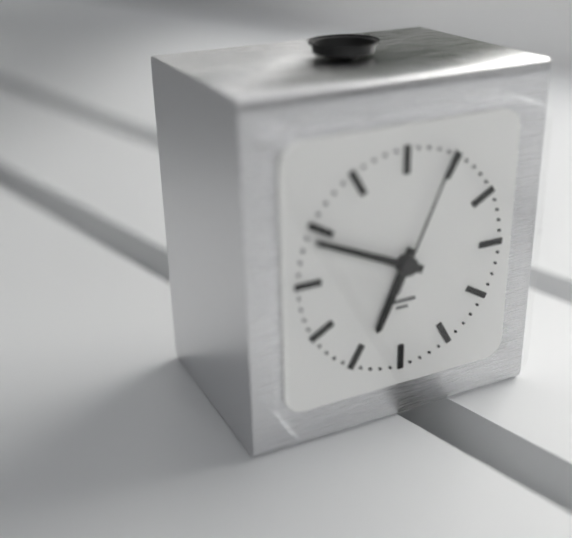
6 h 49 min 04 s
